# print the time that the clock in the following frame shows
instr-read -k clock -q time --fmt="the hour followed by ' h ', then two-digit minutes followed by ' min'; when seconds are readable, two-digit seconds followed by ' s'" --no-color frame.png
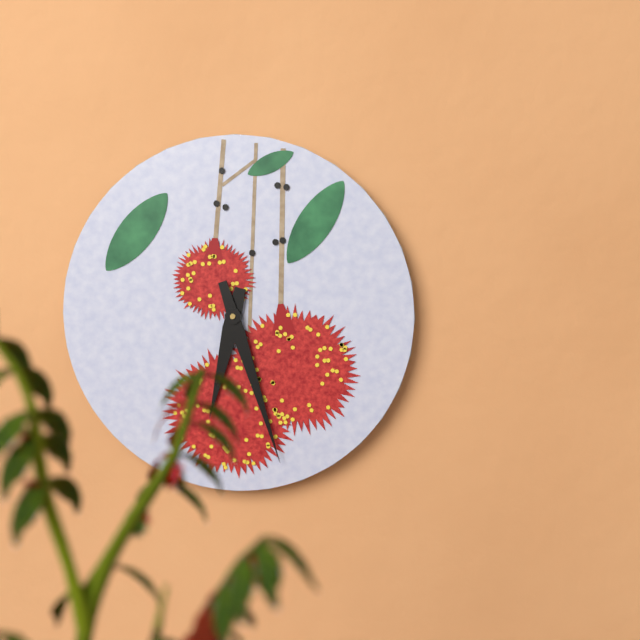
6 h 27 min
